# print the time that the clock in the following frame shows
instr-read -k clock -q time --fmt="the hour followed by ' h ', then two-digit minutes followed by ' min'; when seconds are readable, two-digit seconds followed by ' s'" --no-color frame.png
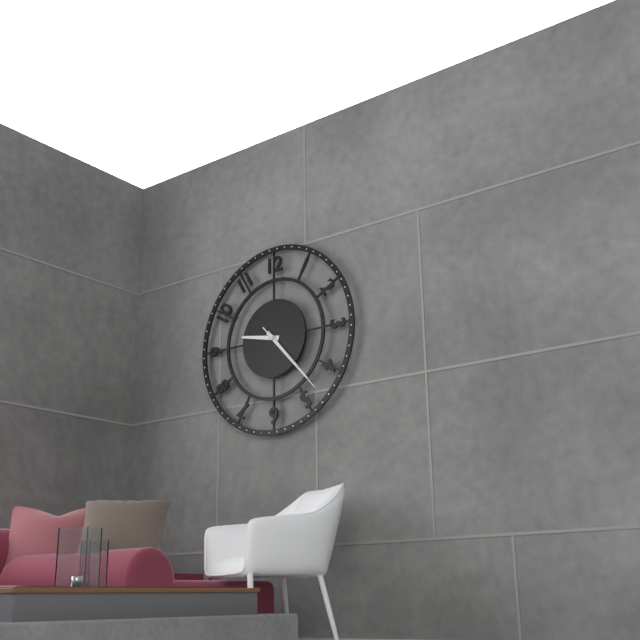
9 h 23 min 23 s
